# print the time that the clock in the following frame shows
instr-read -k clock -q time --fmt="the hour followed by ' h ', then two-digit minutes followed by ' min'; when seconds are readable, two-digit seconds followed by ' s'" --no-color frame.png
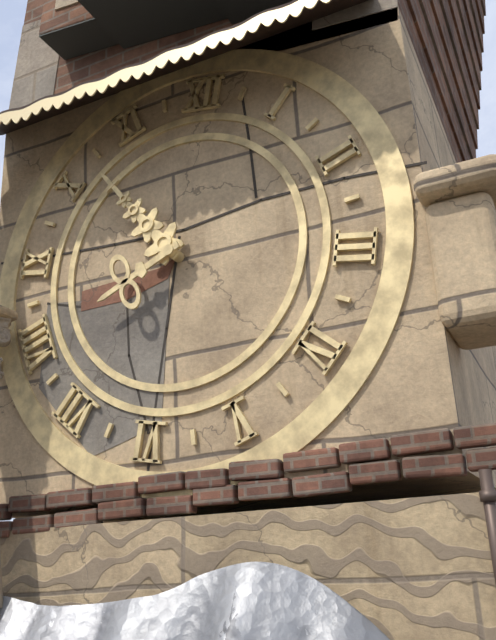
7 h 52 min
